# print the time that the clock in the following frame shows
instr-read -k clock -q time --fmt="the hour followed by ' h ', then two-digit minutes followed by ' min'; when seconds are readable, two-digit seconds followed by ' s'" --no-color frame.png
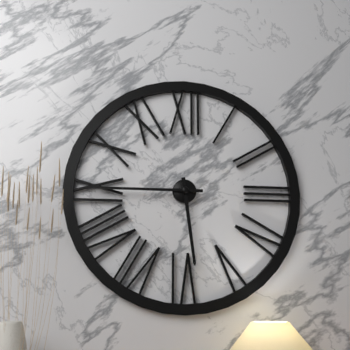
5 h 45 min
